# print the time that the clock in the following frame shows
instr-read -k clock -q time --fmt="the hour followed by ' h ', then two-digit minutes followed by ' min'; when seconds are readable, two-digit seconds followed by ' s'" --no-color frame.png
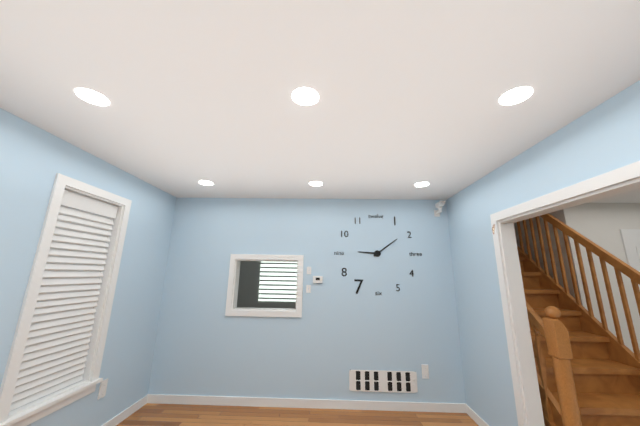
9 h 09 min
